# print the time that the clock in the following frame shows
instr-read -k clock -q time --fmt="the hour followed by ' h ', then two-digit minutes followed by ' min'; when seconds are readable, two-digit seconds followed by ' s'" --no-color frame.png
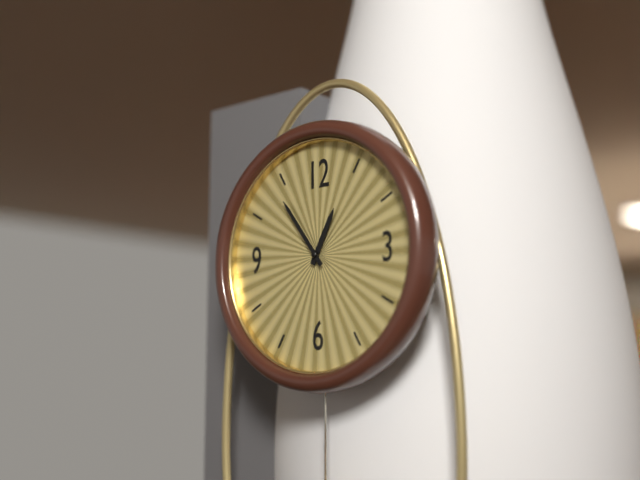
12 h 54 min
